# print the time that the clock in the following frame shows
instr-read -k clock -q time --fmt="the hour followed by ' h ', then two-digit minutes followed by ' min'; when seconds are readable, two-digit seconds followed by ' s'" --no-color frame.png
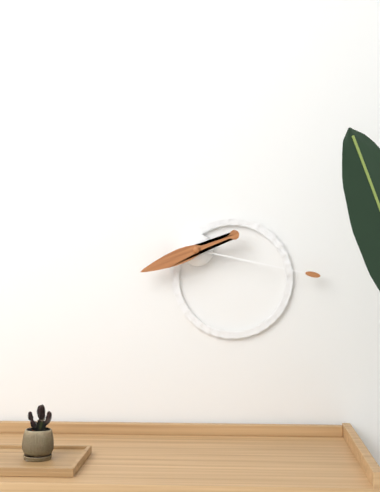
8 h 17 min
